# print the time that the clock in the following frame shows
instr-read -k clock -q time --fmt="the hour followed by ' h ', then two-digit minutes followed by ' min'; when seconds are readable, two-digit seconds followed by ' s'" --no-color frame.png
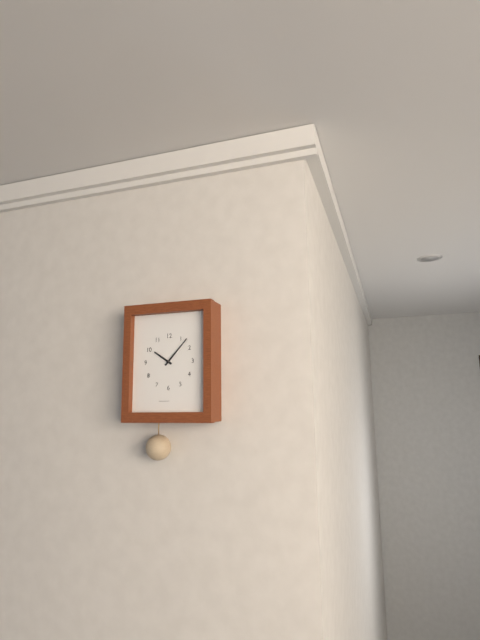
10 h 07 min
